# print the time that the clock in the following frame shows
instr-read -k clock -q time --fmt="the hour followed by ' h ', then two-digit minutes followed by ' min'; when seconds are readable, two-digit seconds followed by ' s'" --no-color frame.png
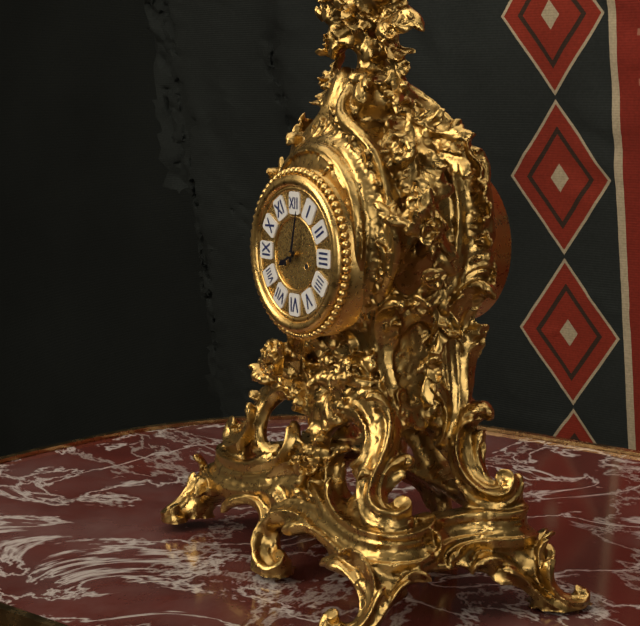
8 h 02 min
